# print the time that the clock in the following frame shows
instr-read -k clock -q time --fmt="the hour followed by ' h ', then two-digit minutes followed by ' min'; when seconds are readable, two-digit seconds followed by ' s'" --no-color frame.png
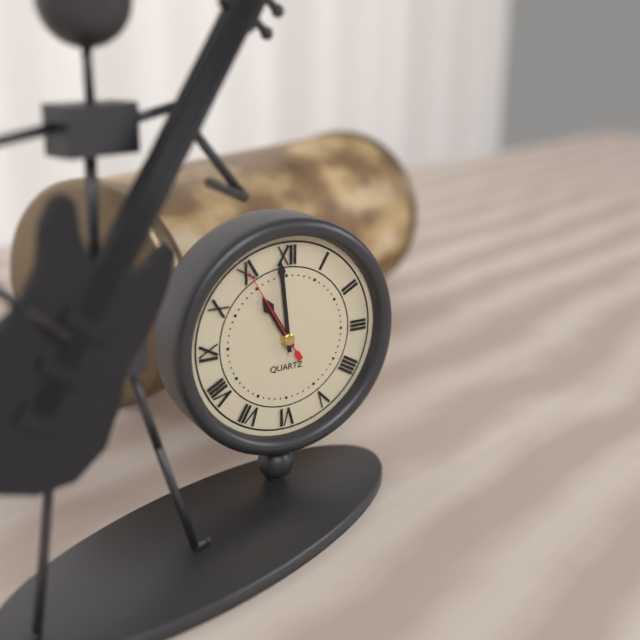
10 h 59 min 55 s
